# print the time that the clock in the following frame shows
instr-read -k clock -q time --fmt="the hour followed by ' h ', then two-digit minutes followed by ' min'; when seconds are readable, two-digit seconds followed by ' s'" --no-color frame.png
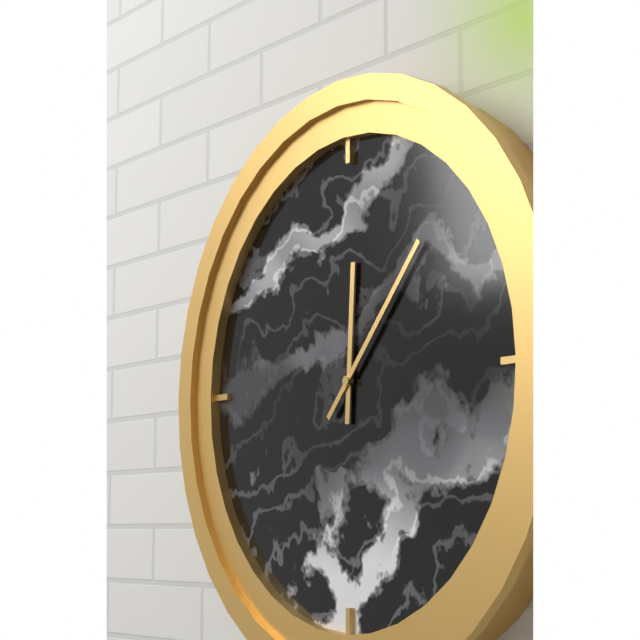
12 h 07 min
